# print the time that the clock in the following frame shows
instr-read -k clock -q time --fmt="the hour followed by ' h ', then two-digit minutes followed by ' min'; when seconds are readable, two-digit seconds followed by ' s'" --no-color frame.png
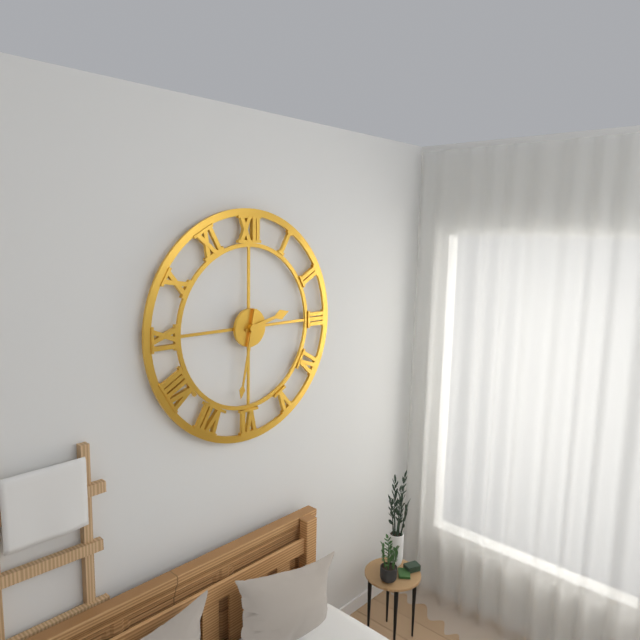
2 h 32 min
